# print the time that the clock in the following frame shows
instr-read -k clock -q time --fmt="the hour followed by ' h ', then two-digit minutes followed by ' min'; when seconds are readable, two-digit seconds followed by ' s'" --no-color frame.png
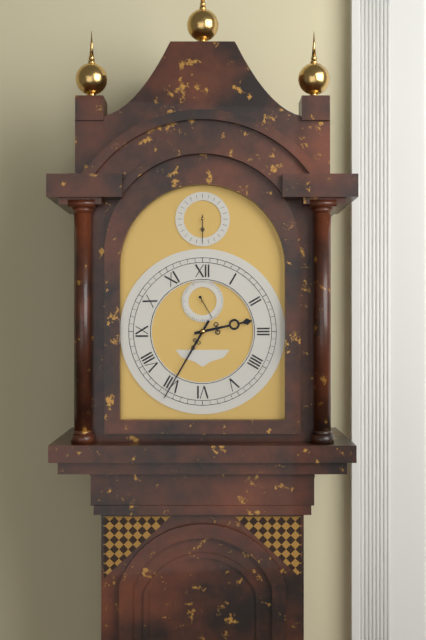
2 h 35 min
